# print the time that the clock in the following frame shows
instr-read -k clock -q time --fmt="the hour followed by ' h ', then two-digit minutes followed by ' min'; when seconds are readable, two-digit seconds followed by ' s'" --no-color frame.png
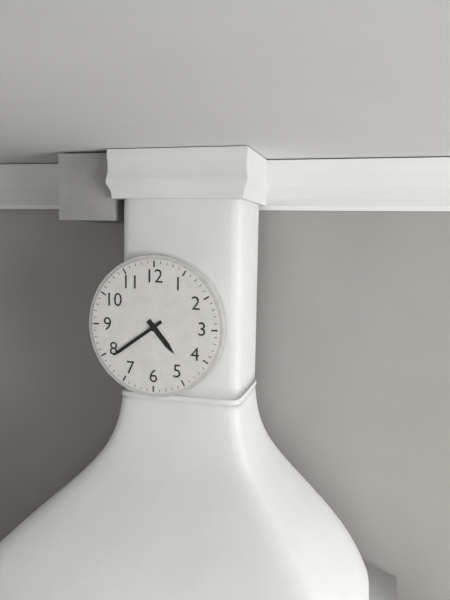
4 h 39 min
